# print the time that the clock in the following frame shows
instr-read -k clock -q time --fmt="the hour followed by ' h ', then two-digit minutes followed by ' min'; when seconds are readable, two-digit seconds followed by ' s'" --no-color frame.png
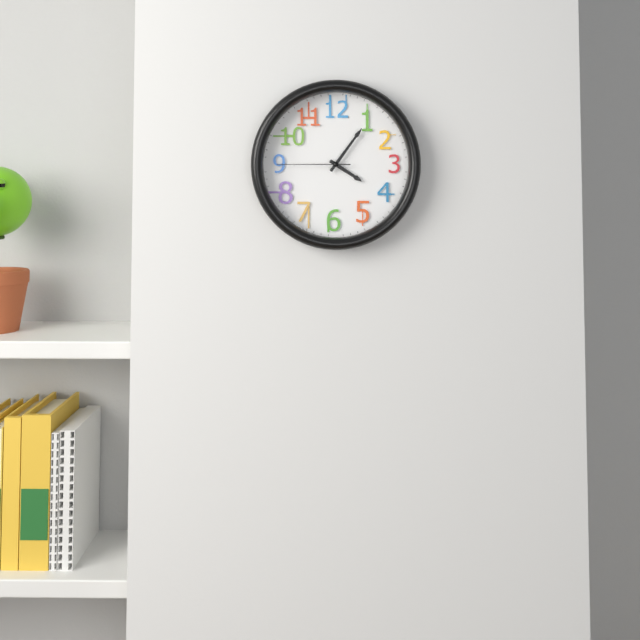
4 h 06 min 45 s
